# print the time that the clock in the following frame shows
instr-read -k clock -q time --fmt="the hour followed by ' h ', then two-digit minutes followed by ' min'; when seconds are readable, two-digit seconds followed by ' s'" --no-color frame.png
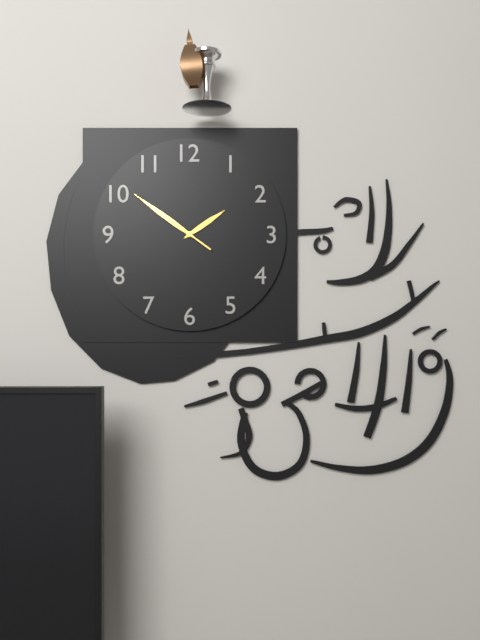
1 h 51 min 51 s
